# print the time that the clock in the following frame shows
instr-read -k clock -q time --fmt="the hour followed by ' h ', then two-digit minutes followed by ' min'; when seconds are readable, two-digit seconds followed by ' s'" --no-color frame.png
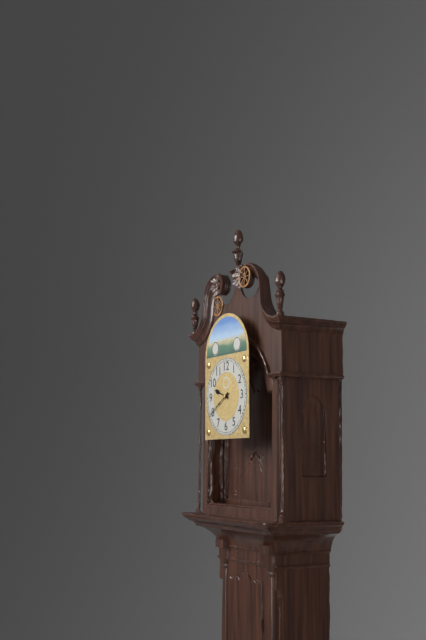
9 h 40 min
